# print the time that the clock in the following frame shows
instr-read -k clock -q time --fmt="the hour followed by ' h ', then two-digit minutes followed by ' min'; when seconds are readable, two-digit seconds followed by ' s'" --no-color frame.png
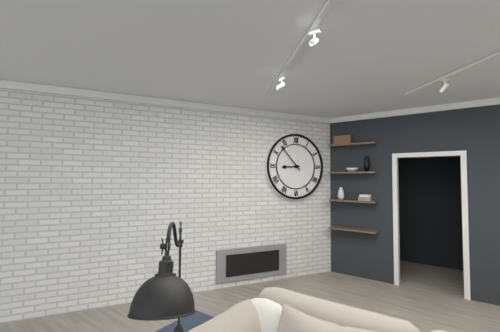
8 h 53 min
